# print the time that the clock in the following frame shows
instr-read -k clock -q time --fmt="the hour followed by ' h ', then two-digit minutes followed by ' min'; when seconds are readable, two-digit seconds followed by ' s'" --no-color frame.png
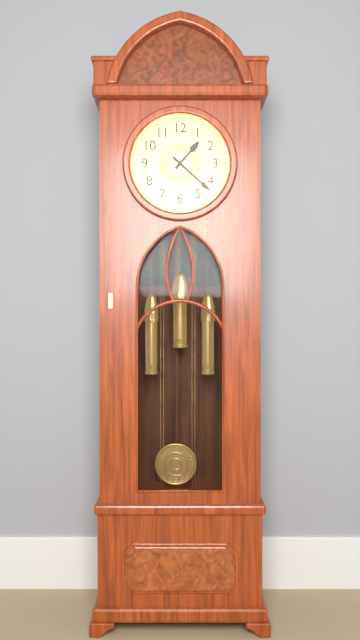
1 h 22 min
